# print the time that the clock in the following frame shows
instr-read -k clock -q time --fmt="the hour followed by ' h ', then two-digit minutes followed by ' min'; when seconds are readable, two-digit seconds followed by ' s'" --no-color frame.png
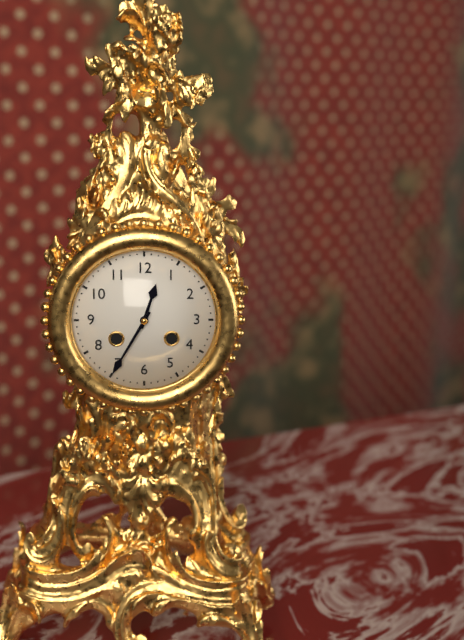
12 h 35 min
